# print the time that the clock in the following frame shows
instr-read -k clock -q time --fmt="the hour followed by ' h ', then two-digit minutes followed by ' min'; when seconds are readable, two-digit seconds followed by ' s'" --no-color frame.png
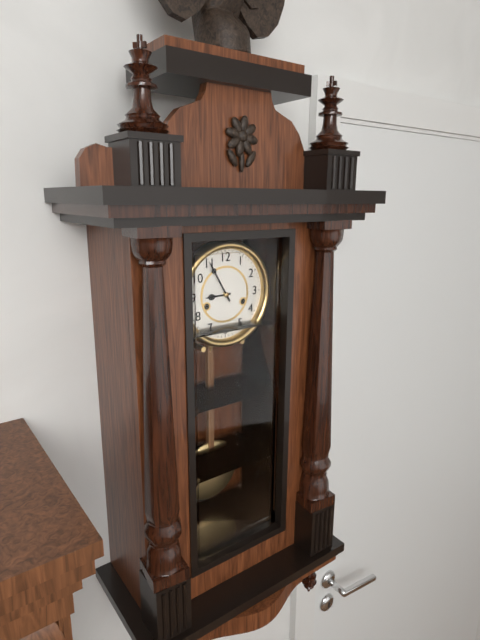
8 h 55 min
